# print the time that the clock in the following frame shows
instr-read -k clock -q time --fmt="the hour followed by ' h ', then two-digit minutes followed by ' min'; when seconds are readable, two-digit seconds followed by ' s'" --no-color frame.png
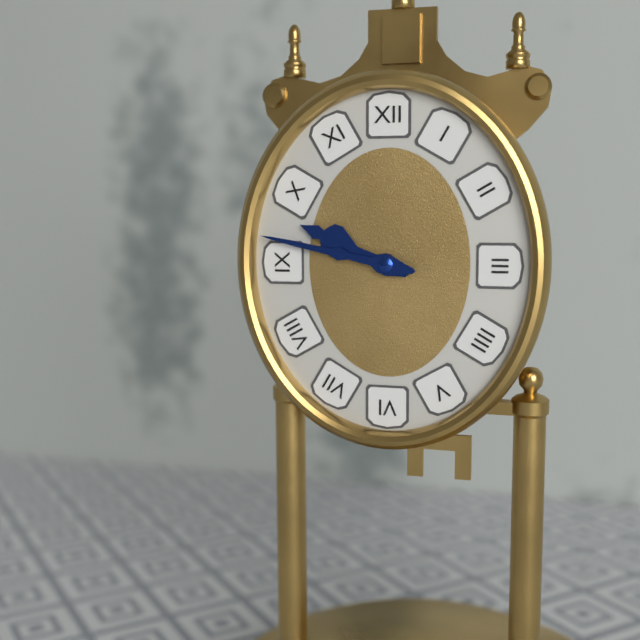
9 h 47 min
